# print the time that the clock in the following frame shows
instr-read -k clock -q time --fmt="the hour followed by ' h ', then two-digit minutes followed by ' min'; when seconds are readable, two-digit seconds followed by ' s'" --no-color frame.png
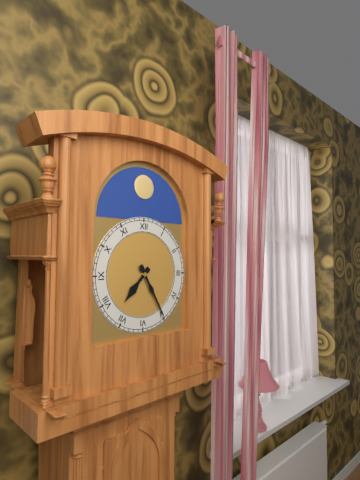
7 h 25 min
